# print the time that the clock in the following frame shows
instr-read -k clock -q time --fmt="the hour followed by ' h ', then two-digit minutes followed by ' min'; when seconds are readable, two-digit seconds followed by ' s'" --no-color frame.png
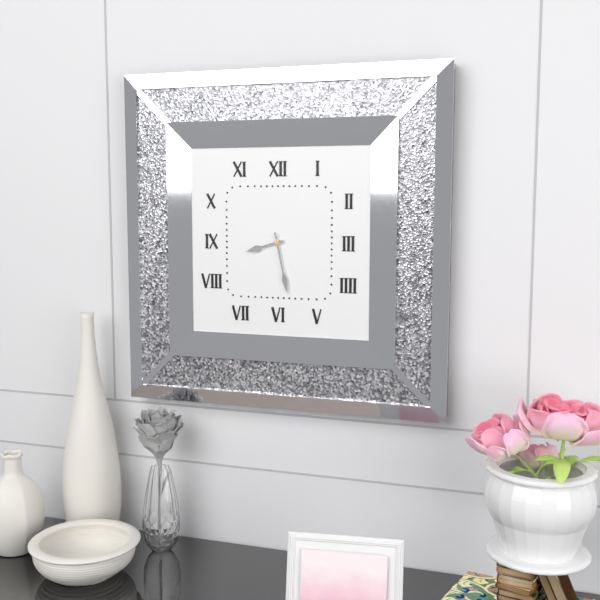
8 h 28 min
